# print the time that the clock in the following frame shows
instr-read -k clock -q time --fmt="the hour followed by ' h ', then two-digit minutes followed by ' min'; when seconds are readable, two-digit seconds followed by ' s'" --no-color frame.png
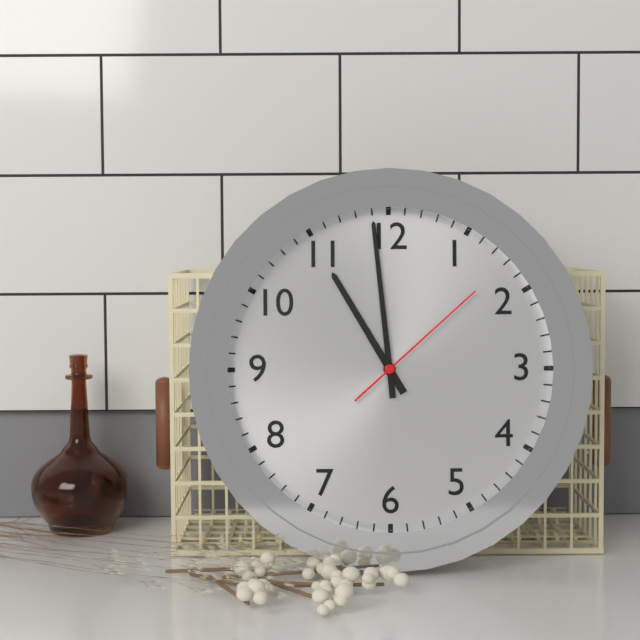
10 h 59 min 08 s
